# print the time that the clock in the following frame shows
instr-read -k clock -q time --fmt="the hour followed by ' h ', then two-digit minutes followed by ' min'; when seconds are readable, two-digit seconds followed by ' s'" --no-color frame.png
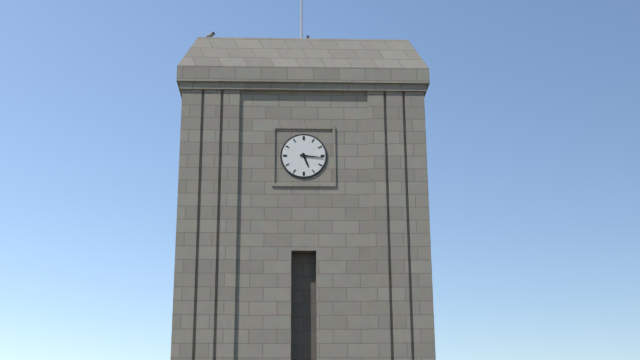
5 h 16 min
